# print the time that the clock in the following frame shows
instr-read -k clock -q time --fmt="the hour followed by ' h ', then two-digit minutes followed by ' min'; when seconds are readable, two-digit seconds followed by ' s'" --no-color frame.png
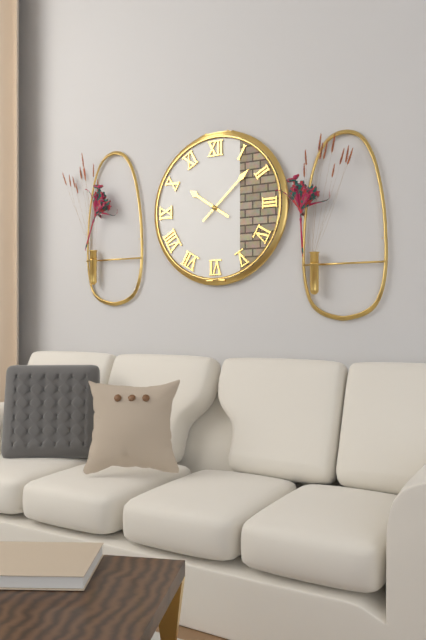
10 h 08 min
